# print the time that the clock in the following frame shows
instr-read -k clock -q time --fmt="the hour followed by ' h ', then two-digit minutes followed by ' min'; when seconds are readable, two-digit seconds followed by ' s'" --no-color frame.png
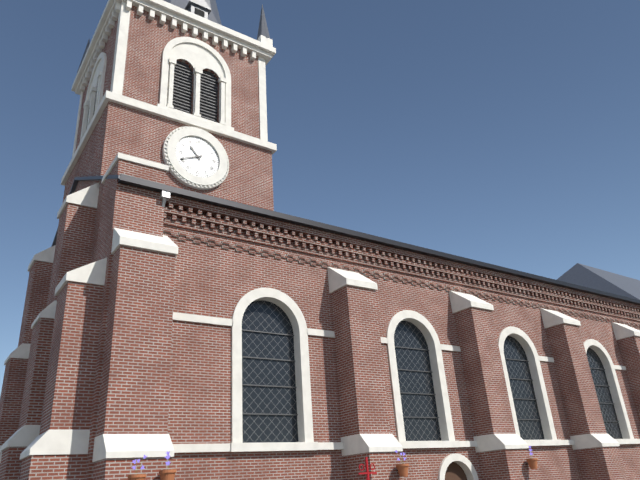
10 h 41 min
